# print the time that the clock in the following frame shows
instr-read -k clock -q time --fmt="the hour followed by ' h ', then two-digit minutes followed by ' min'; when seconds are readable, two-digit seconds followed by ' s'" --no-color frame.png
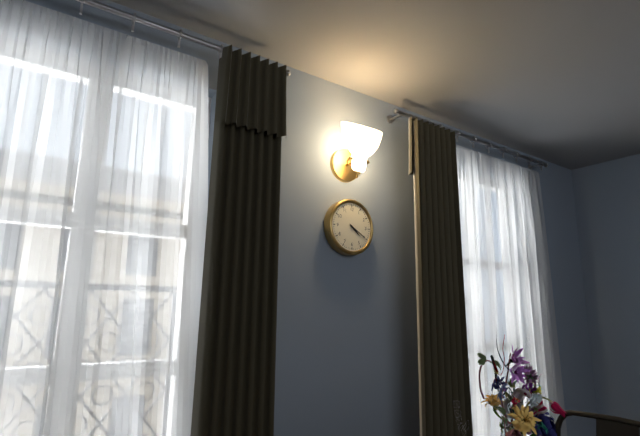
4 h 20 min
